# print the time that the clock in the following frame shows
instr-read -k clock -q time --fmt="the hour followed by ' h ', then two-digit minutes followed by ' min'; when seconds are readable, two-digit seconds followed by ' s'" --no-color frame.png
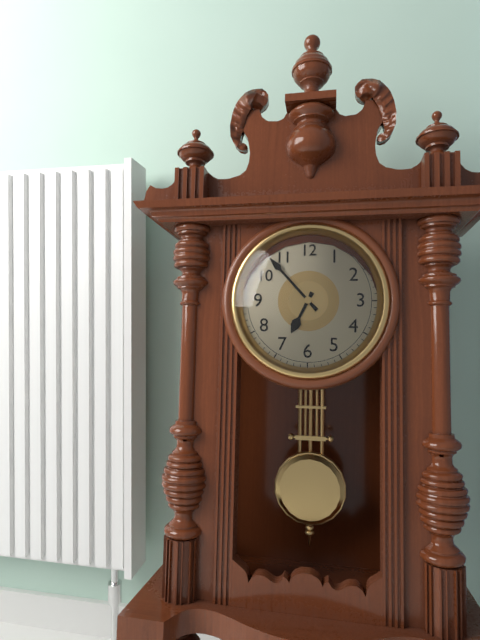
6 h 53 min
